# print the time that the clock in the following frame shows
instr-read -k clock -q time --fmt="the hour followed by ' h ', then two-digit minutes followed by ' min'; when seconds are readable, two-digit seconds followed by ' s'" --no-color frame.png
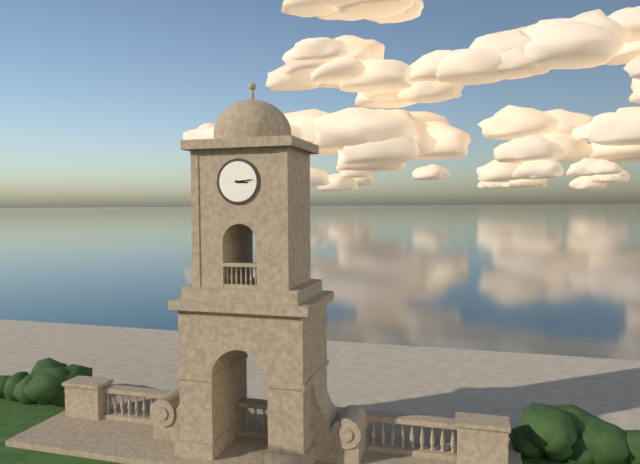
3 h 14 min
